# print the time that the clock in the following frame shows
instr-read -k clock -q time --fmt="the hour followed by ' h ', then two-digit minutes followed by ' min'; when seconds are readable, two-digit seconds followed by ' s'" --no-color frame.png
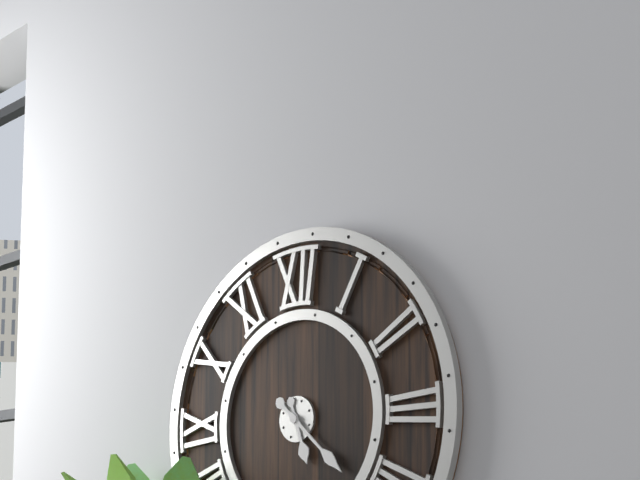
5 h 22 min
